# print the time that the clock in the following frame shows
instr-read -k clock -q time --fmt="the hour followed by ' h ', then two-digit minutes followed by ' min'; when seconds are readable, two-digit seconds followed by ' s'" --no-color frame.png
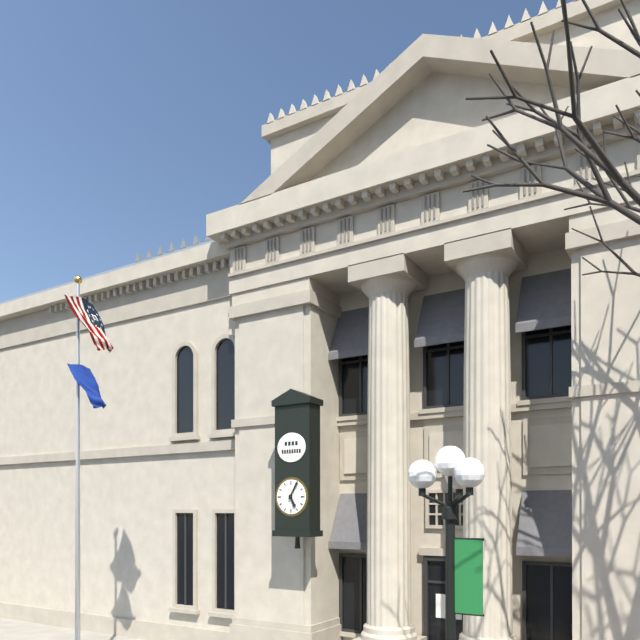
5 h 05 min
